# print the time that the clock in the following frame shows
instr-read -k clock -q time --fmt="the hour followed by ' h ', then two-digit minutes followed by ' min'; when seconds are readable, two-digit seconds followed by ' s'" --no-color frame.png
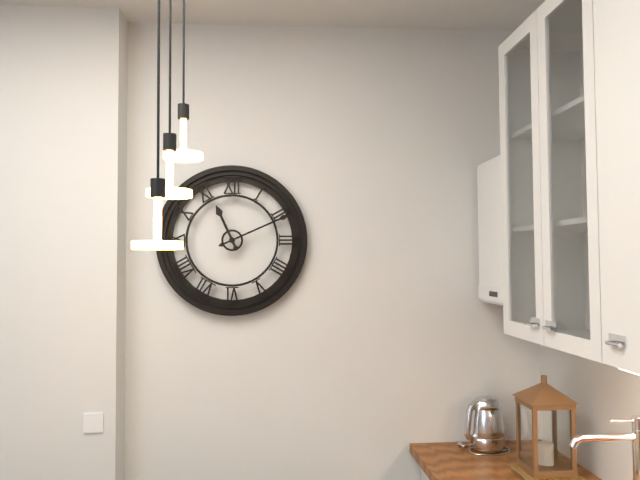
11 h 11 min
